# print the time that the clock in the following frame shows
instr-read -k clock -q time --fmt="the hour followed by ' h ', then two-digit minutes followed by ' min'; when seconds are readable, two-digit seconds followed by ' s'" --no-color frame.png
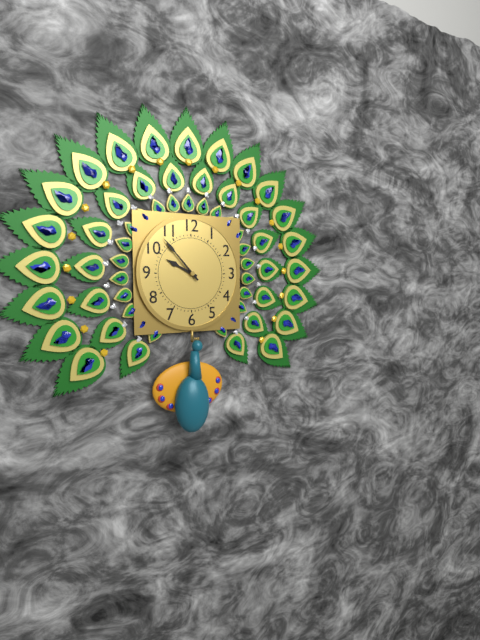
9 h 53 min
